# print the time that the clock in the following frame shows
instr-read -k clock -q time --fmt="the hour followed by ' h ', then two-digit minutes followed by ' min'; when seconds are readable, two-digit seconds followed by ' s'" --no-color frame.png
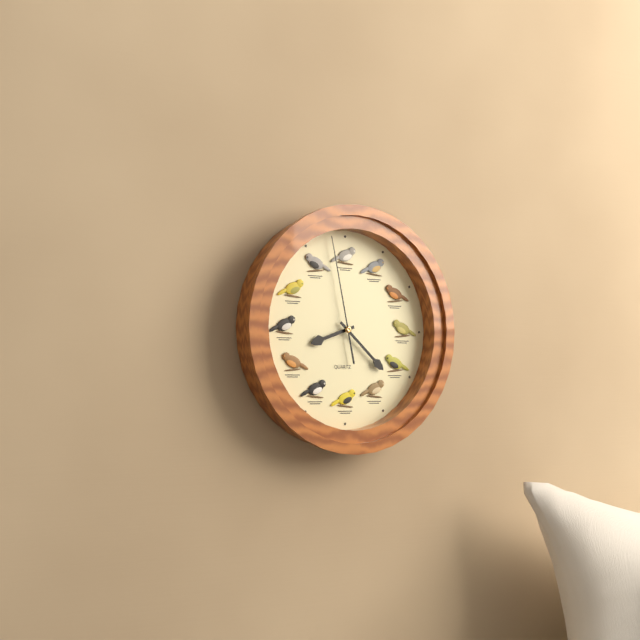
8 h 22 min 58 s
